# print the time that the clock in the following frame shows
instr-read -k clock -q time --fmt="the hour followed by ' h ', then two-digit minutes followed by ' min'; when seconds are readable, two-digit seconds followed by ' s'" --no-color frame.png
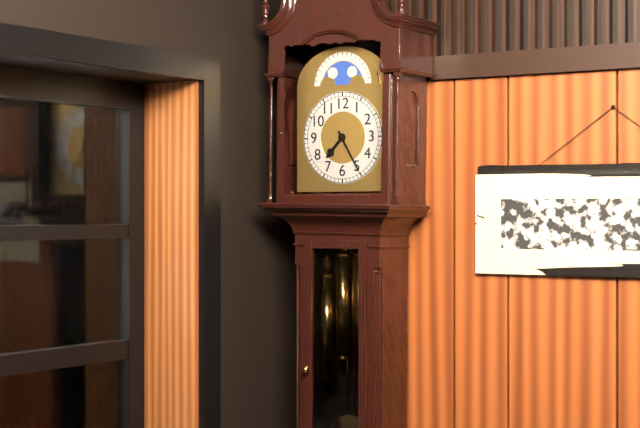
7 h 25 min
